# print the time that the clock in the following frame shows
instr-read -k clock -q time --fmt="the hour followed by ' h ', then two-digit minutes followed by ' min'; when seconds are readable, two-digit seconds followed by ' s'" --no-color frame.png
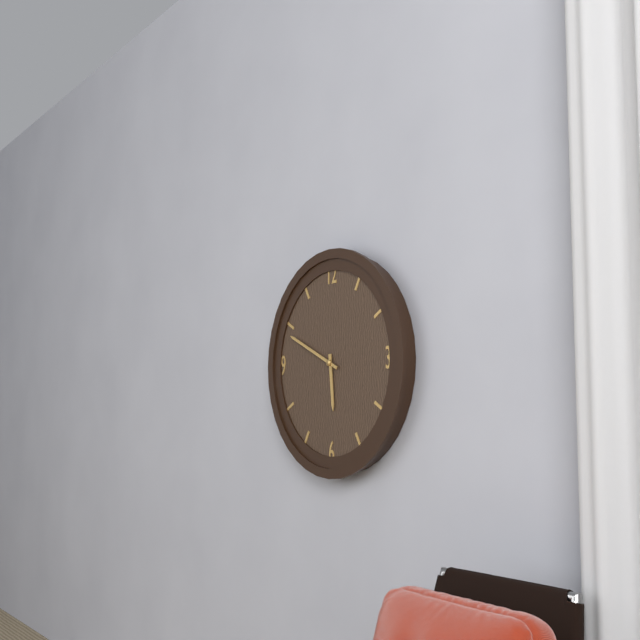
5 h 49 min
